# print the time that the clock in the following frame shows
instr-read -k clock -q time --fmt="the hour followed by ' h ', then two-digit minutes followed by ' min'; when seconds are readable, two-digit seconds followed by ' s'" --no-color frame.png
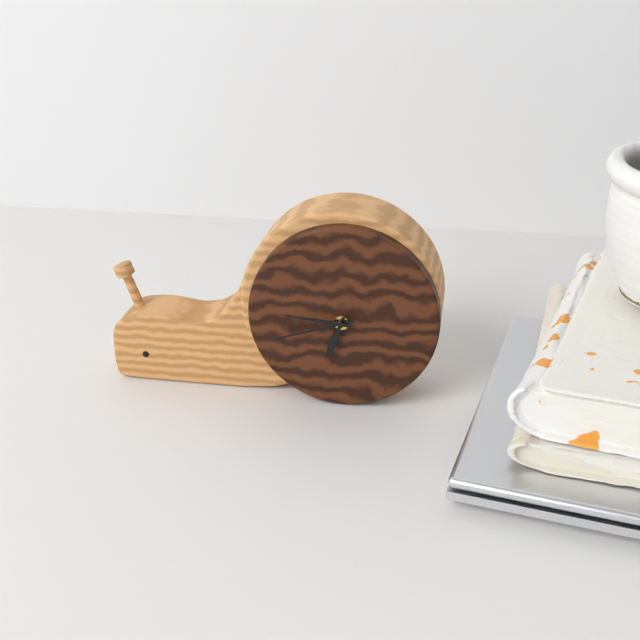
6 h 42 min 46 s
